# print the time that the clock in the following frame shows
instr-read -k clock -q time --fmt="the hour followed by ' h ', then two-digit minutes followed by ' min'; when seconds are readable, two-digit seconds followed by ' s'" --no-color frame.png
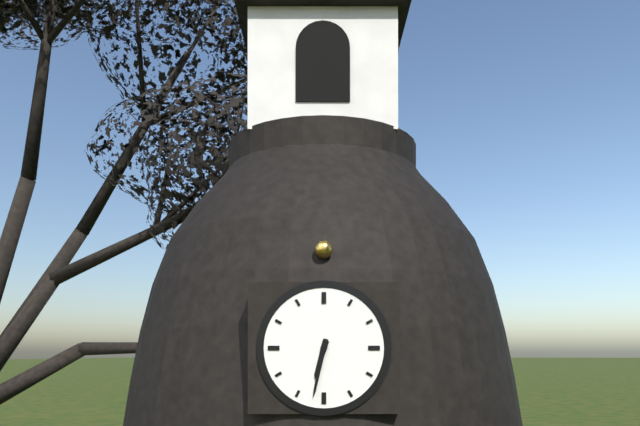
6 h 32 min
